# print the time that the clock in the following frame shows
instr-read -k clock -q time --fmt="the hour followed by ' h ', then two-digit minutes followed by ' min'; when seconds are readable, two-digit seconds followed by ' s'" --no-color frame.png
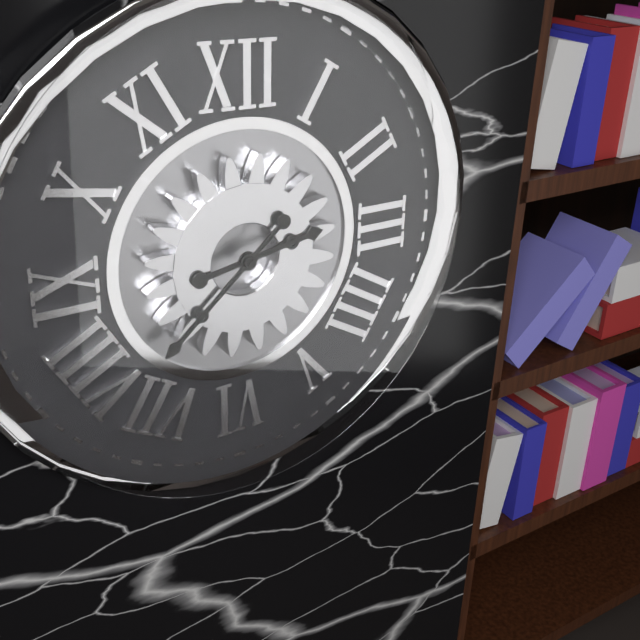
2 h 38 min
